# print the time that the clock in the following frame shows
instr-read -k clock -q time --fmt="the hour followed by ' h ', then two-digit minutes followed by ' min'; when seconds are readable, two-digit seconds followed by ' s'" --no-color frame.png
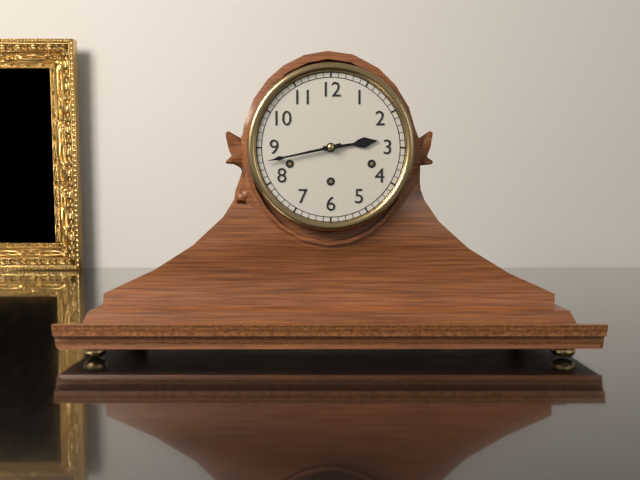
2 h 43 min
